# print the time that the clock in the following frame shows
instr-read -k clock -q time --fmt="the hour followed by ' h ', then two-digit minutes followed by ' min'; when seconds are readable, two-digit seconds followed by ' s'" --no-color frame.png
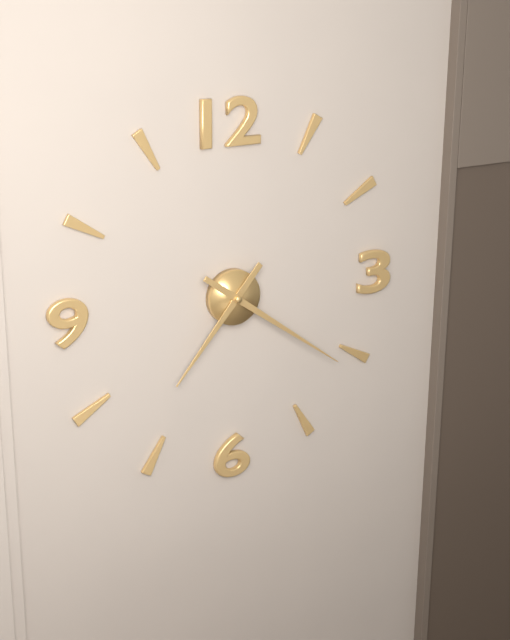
7 h 21 min
